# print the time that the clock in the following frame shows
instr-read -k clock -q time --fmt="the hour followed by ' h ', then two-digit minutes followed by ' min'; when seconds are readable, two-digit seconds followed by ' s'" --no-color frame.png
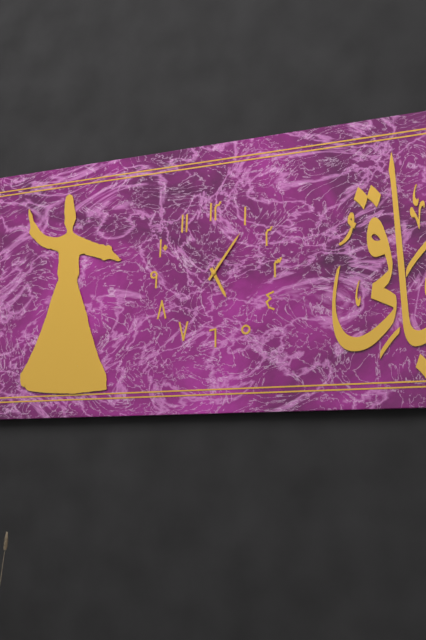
5 h 06 min
